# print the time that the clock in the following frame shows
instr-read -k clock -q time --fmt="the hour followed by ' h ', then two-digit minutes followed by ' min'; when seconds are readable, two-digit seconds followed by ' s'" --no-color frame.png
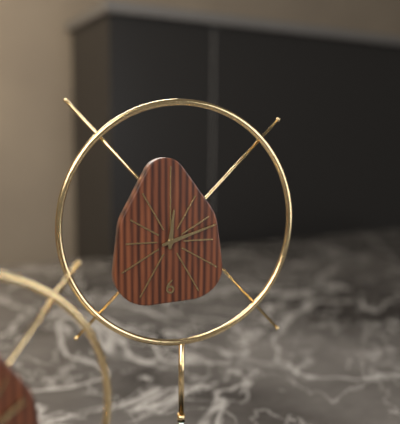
12 h 12 min
